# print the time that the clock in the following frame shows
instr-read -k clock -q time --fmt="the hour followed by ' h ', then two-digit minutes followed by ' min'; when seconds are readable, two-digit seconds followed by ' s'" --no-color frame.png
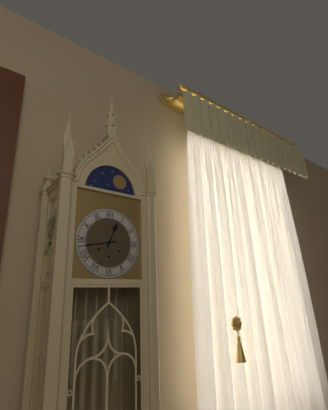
12 h 43 min
